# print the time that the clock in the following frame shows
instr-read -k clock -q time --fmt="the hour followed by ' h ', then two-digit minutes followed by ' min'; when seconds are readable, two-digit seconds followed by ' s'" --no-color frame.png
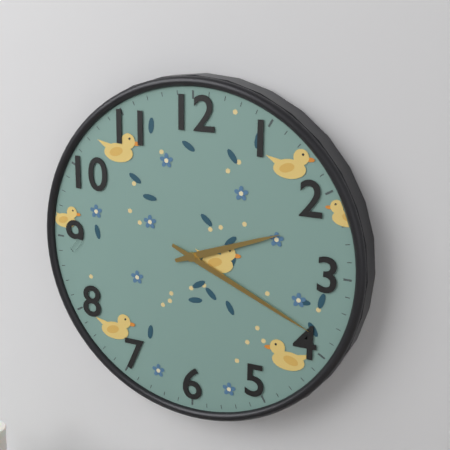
2 h 19 min
